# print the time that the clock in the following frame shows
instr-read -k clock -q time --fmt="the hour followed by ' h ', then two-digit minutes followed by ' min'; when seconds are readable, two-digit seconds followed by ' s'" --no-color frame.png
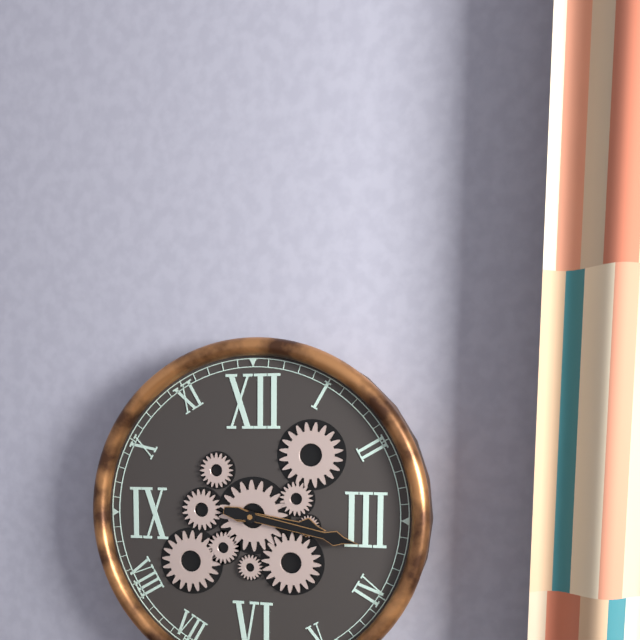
3 h 17 min
